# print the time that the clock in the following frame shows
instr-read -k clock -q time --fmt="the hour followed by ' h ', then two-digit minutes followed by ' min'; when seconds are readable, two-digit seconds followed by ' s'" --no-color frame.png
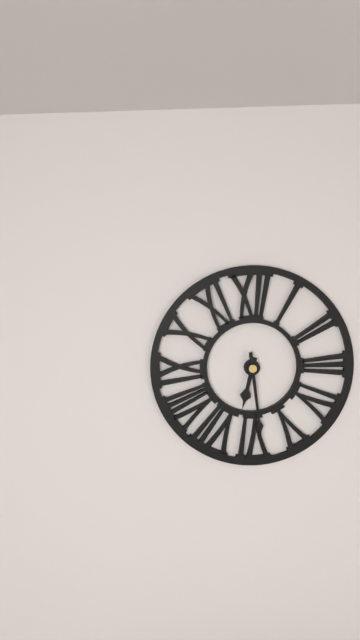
6 h 29 min
